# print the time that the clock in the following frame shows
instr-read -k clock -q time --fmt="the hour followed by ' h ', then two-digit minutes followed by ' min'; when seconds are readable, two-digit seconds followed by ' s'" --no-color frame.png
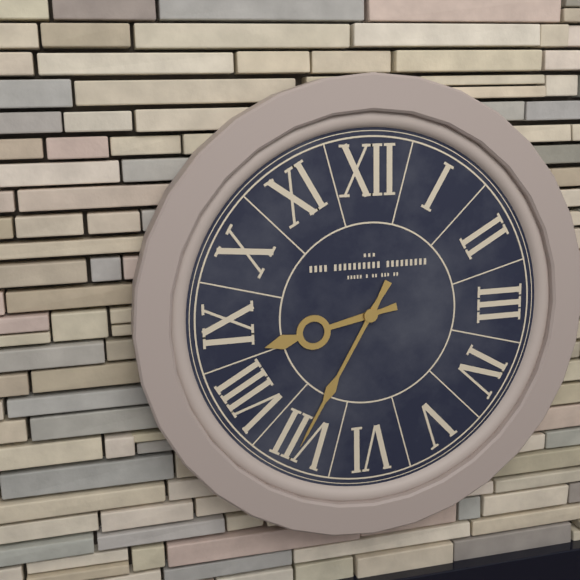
8 h 35 min
